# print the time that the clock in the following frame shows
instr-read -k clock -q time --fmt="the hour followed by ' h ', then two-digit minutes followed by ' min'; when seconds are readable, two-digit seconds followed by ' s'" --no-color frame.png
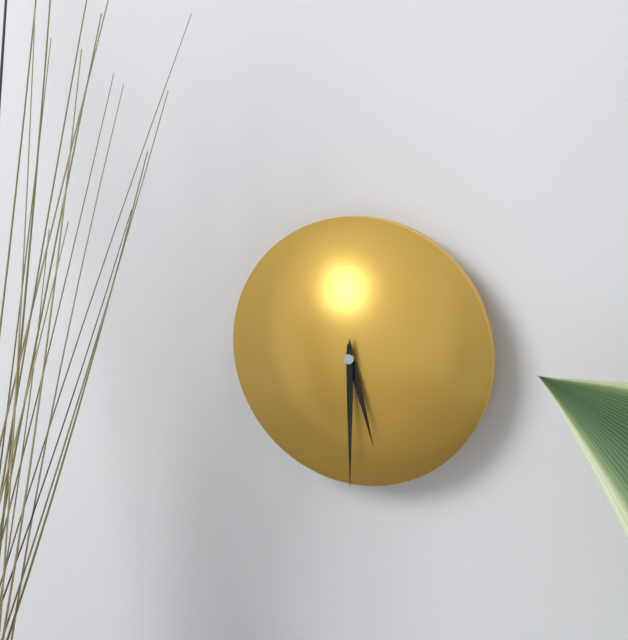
5 h 30 min
